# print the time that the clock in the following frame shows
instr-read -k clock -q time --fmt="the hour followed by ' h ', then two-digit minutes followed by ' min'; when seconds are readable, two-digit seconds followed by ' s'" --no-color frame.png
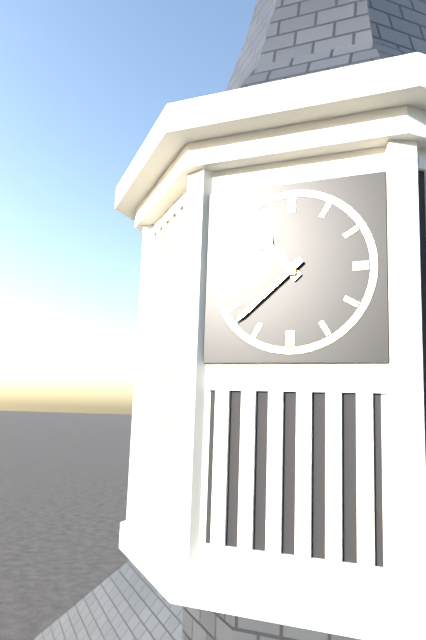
10 h 38 min
